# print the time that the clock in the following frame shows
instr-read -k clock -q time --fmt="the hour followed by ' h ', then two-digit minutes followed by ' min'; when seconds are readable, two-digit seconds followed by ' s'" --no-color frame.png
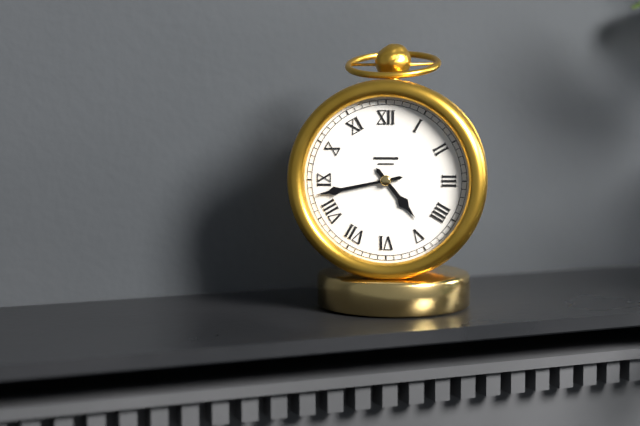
4 h 43 min
